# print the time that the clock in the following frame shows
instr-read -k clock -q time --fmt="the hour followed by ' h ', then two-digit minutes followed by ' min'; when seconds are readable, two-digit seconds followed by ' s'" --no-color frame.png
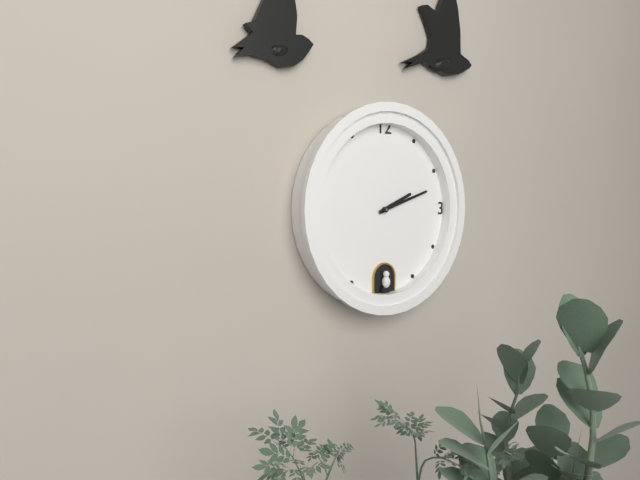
2 h 12 min
